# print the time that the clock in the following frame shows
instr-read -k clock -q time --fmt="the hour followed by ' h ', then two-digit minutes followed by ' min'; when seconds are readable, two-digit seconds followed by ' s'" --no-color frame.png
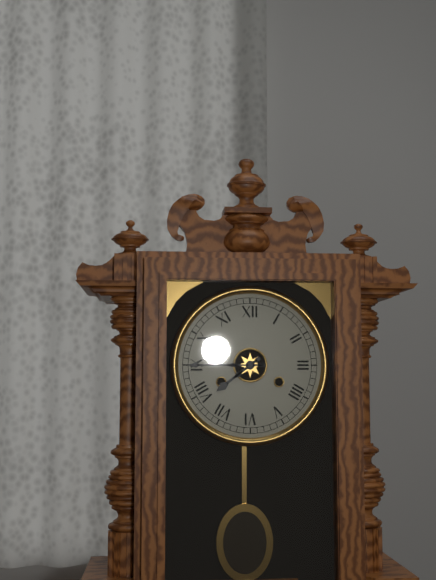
7 h 45 min
